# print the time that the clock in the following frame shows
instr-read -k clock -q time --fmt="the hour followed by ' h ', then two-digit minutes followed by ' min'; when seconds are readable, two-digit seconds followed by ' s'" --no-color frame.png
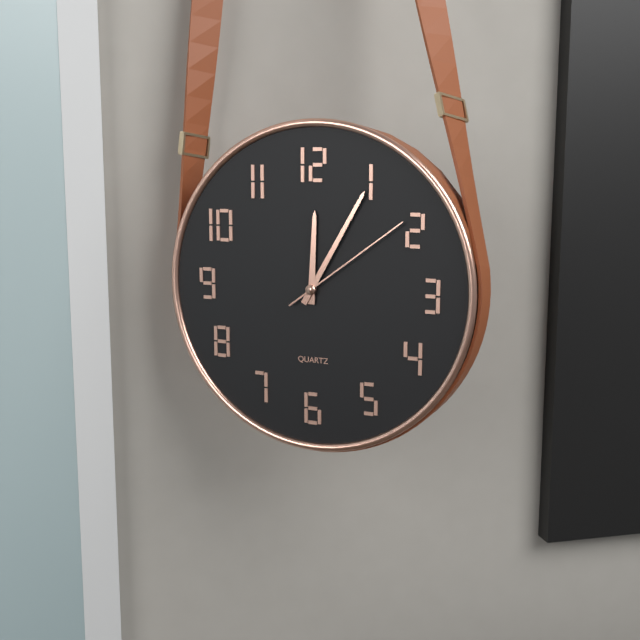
12 h 05 min 09 s
